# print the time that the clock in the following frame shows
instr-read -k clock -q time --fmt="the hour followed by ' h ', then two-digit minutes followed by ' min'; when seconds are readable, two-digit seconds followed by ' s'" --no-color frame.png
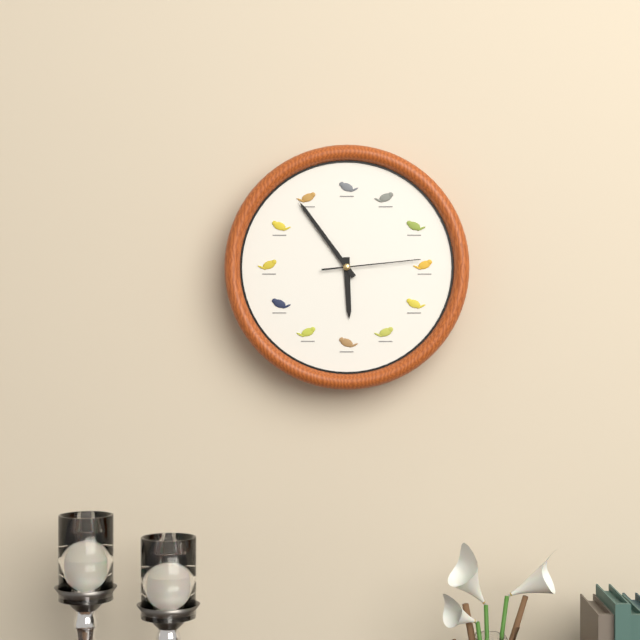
5 h 54 min 14 s
